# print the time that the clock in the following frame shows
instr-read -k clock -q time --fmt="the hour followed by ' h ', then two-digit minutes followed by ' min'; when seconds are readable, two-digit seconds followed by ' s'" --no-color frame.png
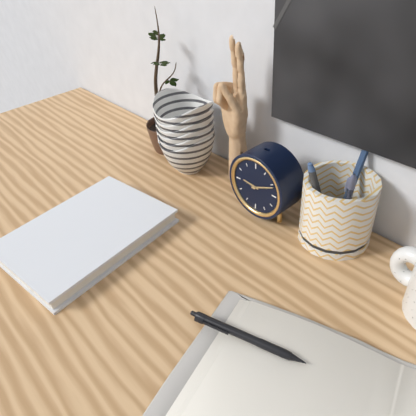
9 h 11 min
